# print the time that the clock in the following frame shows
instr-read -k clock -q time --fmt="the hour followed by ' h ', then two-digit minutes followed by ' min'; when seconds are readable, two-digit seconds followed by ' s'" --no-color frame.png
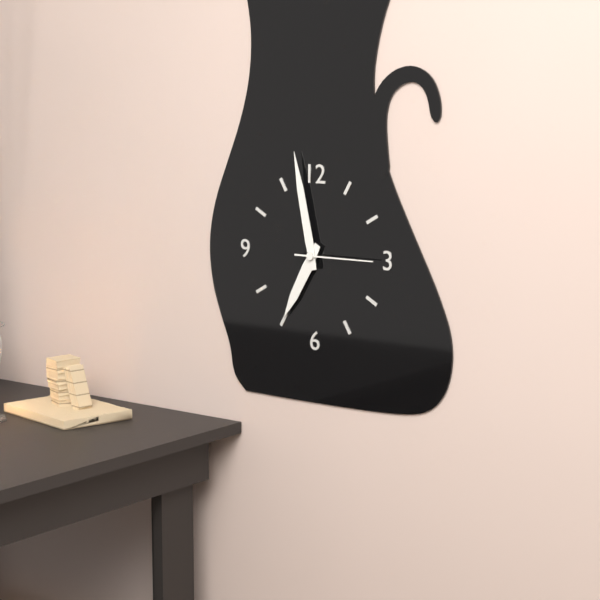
6 h 58 min 15 s
